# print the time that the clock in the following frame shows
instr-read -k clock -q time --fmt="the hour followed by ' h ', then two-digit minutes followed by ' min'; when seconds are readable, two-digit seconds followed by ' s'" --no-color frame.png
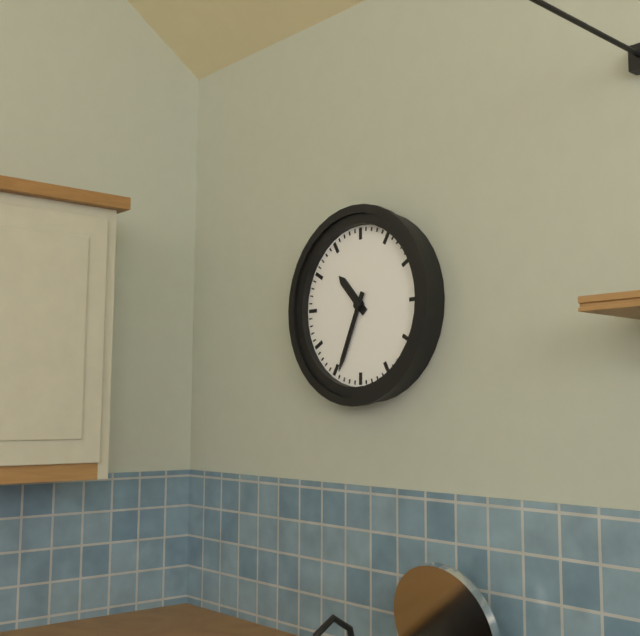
10 h 34 min
